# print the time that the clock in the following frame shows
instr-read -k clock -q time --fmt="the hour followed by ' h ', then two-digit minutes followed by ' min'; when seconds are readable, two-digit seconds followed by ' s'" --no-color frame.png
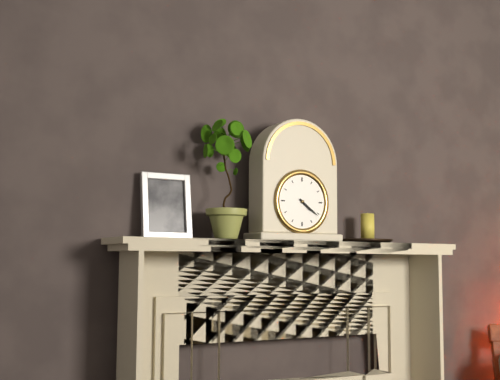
4 h 21 min
